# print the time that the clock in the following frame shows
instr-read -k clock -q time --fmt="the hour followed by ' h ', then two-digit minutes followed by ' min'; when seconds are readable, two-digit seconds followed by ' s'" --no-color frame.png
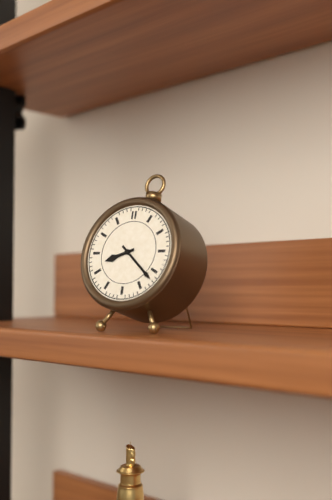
8 h 22 min
